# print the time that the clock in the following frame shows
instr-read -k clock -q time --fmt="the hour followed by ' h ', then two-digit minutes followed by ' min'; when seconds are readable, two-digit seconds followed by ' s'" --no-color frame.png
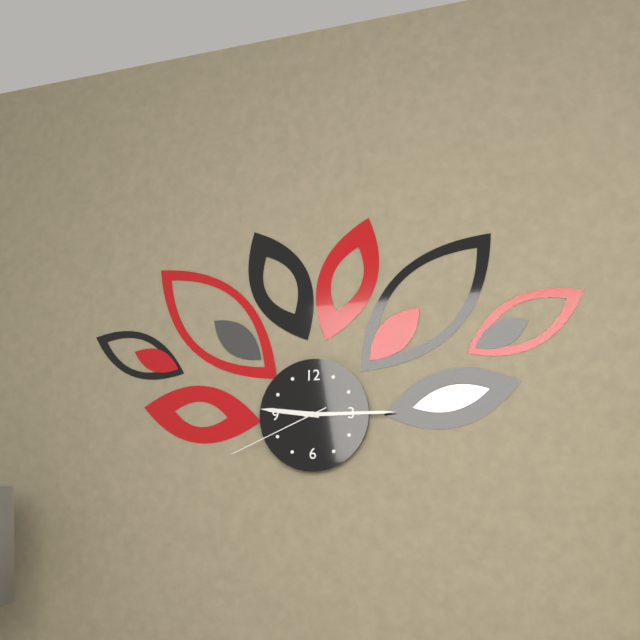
9 h 15 min 41 s
